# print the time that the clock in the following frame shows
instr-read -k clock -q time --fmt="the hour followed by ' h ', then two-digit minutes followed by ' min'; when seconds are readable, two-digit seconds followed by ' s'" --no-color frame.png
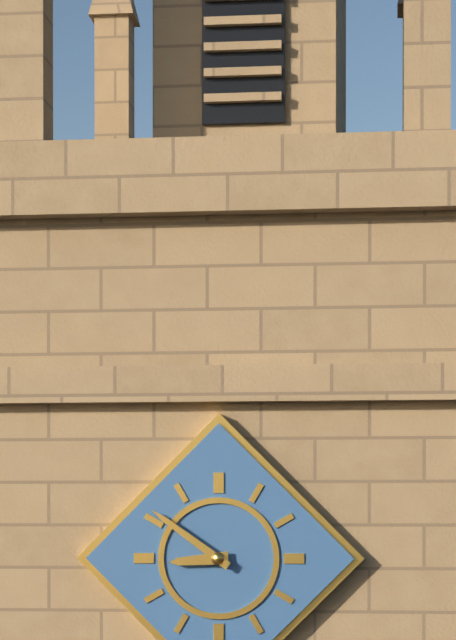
8 h 51 min
